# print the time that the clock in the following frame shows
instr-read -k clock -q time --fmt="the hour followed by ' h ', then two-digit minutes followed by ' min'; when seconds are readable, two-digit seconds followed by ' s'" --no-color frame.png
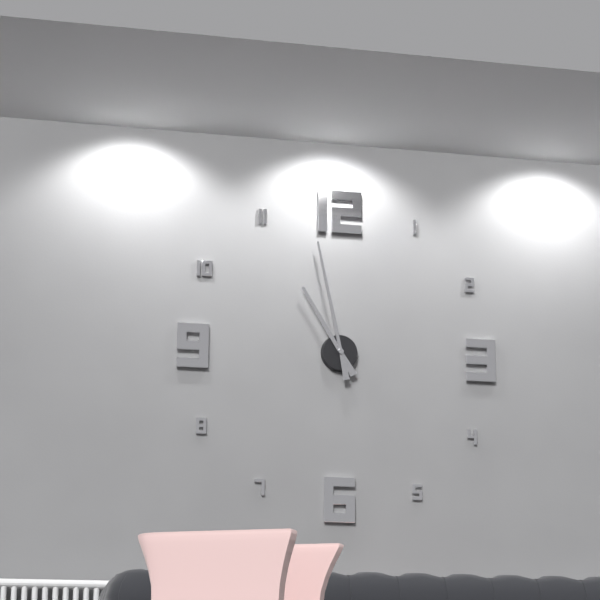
10 h 58 min
